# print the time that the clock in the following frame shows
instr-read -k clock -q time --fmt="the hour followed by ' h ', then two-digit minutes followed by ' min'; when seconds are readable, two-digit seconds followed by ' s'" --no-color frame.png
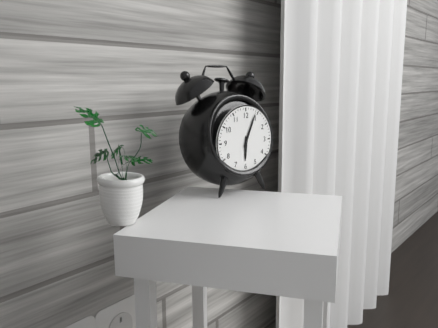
6 h 04 min
